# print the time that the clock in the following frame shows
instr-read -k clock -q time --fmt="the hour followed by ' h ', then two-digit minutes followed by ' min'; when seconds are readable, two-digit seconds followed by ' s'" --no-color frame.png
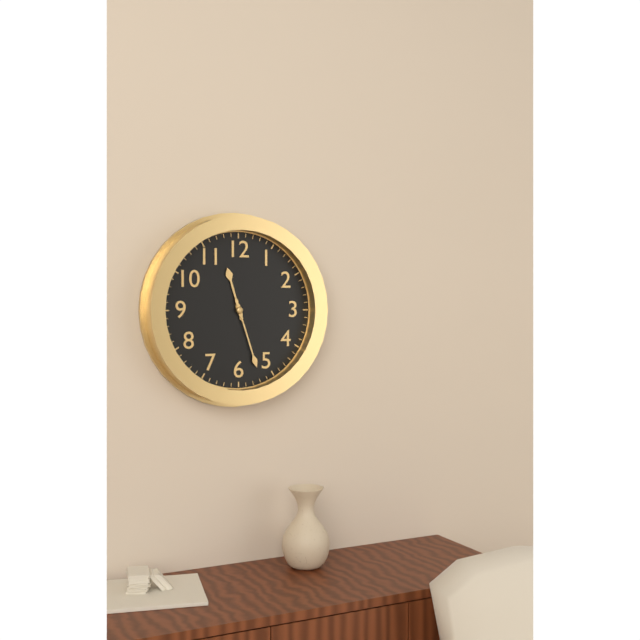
11 h 27 min
